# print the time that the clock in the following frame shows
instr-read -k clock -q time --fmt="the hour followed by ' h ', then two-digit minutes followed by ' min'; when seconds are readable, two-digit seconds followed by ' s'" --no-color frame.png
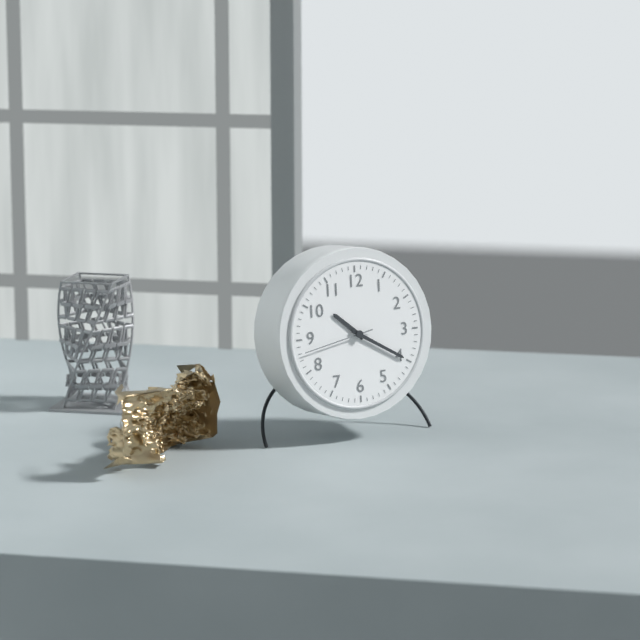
10 h 20 min 43 s
